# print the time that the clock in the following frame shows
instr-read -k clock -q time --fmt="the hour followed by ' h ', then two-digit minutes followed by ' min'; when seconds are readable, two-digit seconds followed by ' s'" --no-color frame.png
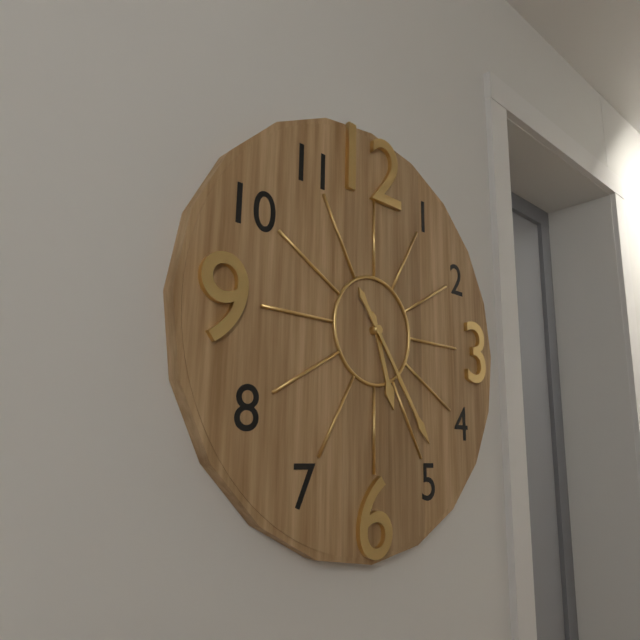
5 h 24 min
